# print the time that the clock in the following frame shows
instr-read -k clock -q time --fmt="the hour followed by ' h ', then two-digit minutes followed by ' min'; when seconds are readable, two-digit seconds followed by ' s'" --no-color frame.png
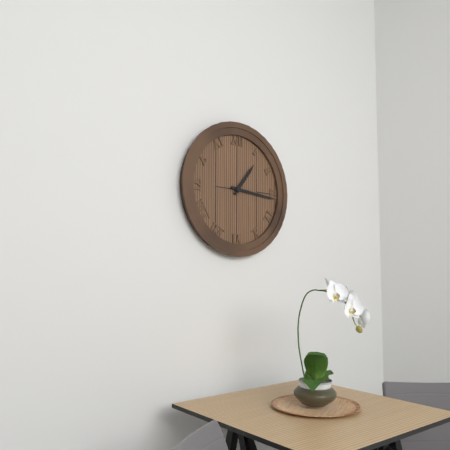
1 h 16 min
